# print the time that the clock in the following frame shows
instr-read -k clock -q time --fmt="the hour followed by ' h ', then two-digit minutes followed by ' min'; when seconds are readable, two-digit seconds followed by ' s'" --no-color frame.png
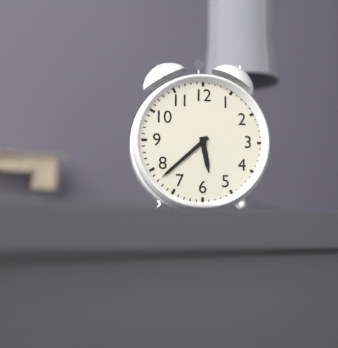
5 h 38 min
